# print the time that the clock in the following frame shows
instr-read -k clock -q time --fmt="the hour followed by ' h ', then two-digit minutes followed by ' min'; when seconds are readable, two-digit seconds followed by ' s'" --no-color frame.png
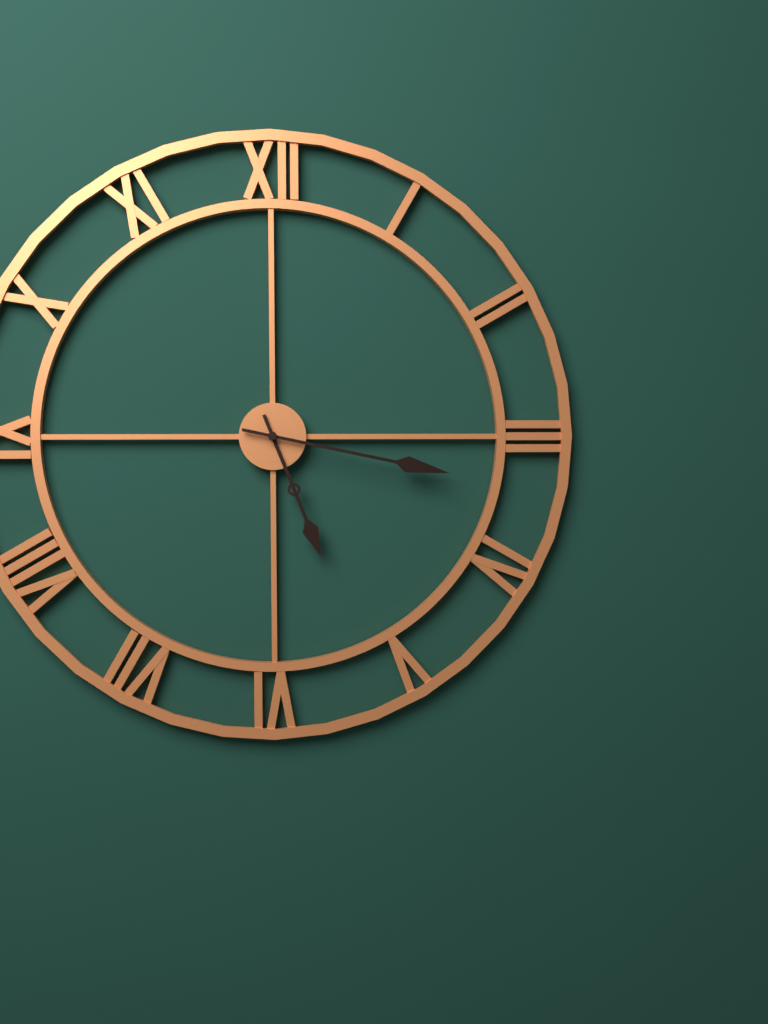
5 h 17 min
